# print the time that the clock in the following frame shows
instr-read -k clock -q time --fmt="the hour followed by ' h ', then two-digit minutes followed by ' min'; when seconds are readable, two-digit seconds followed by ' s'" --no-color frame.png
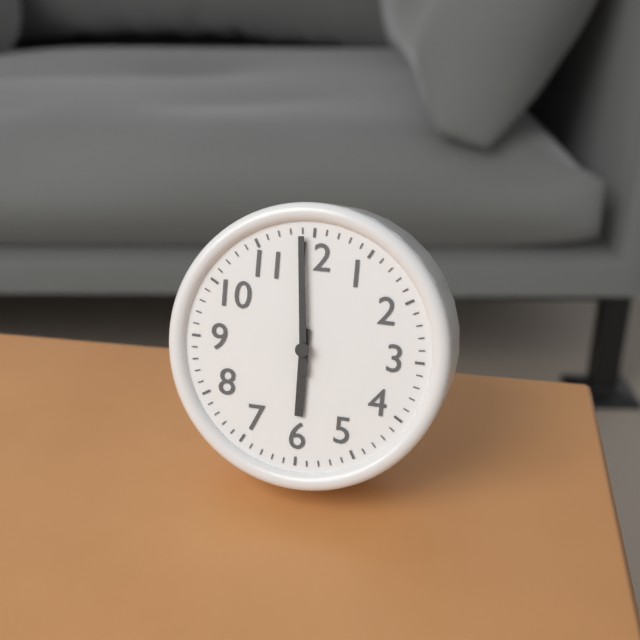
5 h 59 min
